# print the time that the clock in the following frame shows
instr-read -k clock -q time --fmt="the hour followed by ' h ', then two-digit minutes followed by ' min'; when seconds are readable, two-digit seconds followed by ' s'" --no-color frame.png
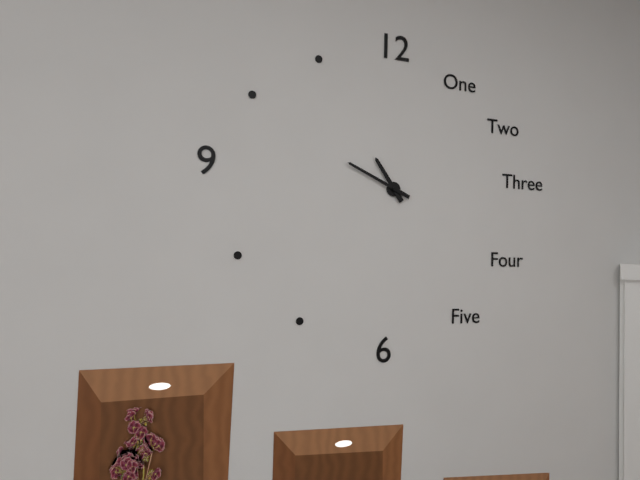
10 h 49 min
